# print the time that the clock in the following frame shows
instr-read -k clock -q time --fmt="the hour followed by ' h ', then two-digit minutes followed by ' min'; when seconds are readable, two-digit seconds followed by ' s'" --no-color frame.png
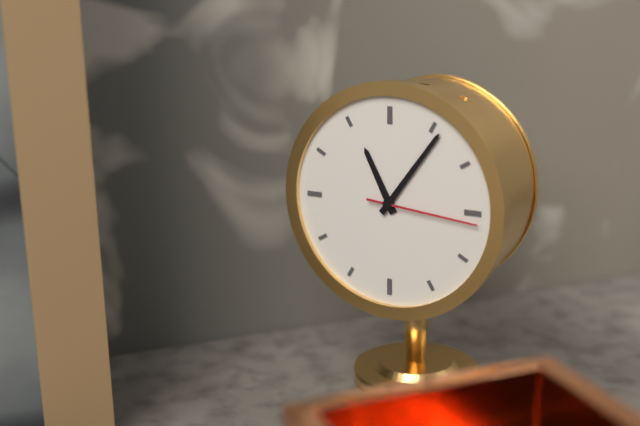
11 h 06 min 16 s
